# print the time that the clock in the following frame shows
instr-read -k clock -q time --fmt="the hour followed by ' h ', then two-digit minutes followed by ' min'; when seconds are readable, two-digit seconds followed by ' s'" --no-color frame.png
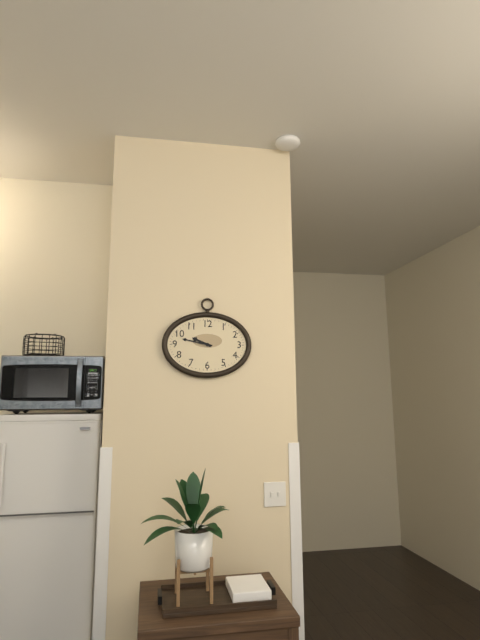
9 h 47 min
